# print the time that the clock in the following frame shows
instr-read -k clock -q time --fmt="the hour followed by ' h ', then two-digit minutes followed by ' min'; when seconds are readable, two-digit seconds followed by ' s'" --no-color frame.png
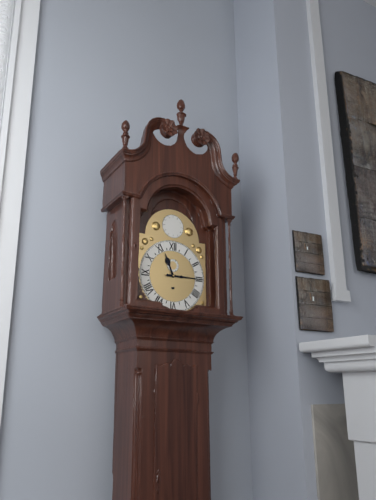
11 h 15 min
